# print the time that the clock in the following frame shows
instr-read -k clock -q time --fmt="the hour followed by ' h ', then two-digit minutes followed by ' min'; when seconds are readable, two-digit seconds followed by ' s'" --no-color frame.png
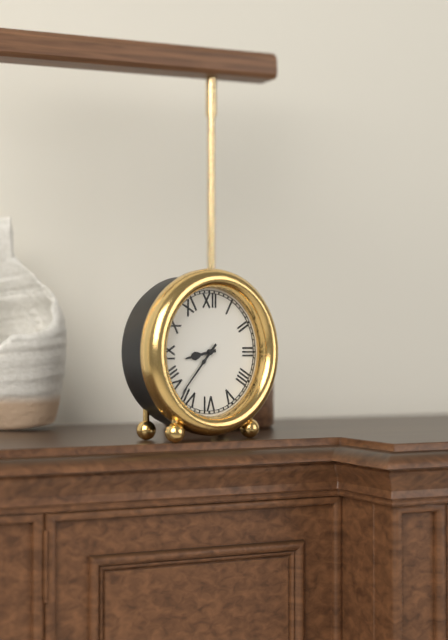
8 h 37 min
